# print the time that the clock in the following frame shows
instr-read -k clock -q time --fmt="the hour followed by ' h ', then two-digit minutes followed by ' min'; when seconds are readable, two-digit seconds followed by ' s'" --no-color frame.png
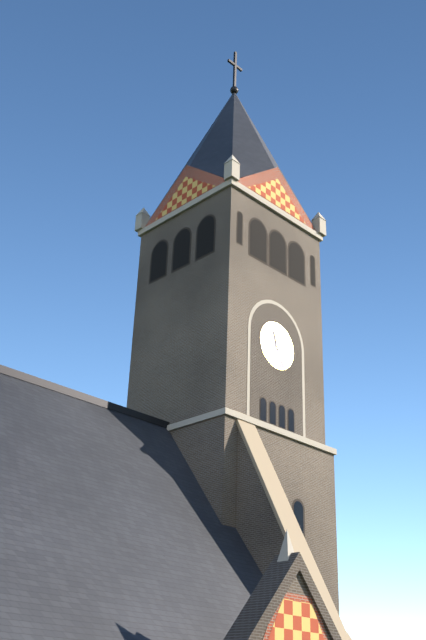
11 h 57 min
